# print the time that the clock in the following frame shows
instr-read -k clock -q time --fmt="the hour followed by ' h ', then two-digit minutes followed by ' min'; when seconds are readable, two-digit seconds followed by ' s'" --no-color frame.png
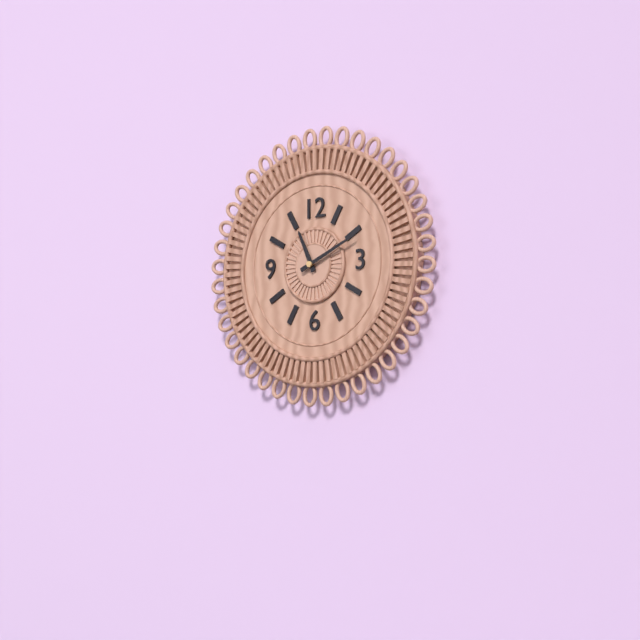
11 h 11 min
